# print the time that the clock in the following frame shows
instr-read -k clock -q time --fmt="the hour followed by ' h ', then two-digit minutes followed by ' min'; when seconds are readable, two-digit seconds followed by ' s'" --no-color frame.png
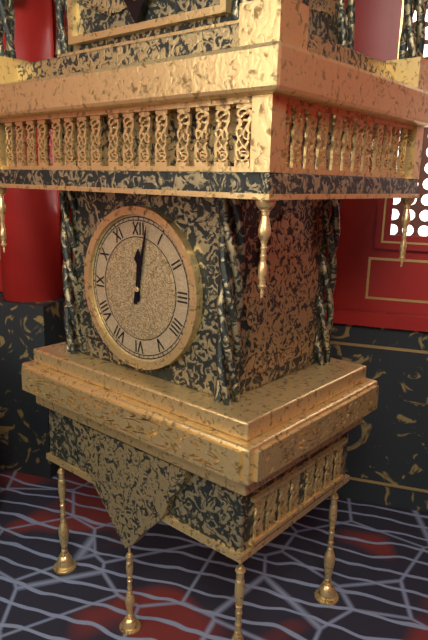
12 h 02 min
